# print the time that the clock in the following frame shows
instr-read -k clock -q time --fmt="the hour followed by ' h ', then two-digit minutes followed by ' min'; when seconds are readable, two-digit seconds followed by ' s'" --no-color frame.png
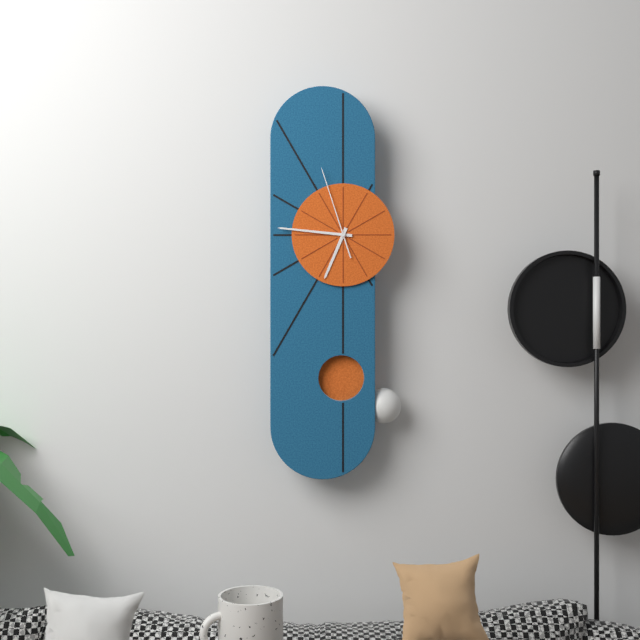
6 h 46 min 57 s
